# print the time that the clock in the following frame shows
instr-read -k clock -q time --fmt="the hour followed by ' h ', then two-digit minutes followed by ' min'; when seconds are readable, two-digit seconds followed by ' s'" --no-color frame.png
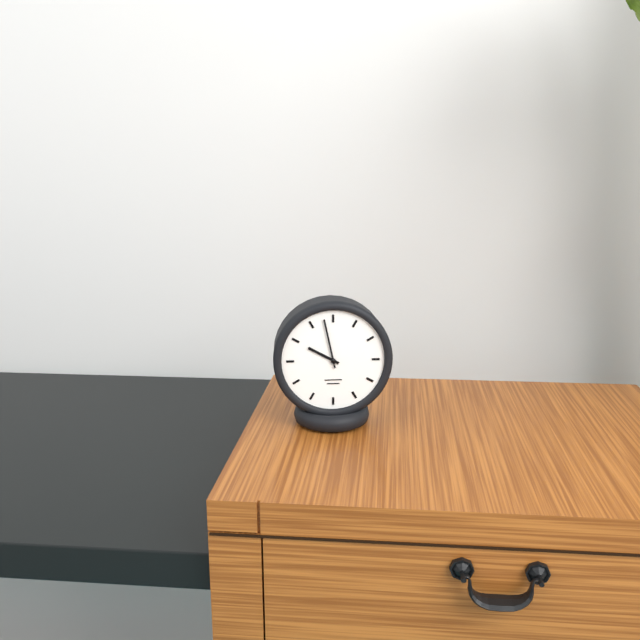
9 h 58 min
